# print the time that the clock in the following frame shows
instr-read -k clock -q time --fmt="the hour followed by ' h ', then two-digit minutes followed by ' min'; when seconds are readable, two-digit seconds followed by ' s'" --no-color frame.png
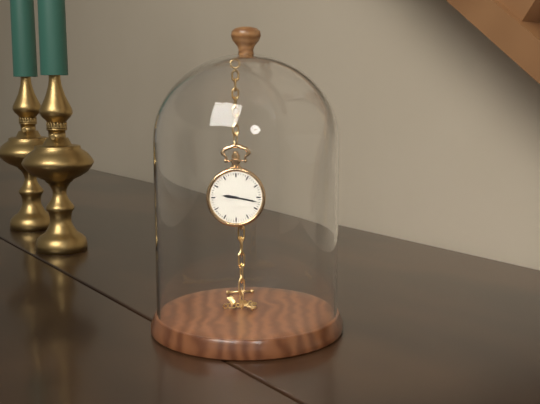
9 h 17 min
